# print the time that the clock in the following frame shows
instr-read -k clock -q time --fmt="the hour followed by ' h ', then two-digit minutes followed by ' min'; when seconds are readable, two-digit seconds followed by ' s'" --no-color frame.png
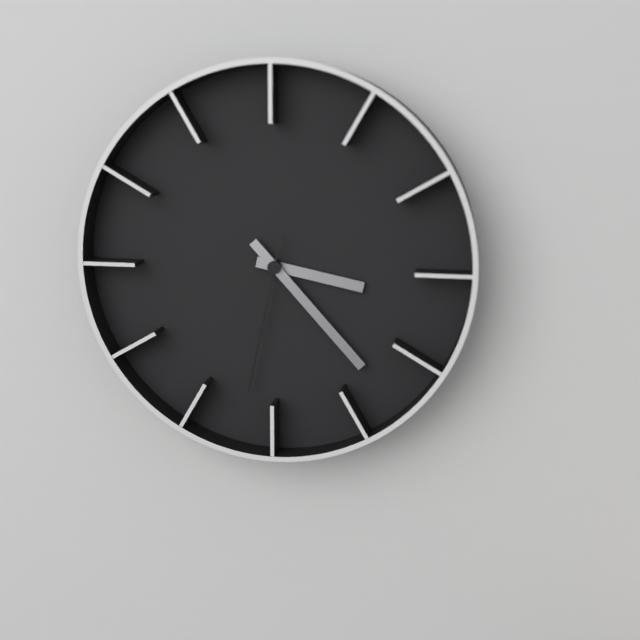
3 h 23 min 32 s
